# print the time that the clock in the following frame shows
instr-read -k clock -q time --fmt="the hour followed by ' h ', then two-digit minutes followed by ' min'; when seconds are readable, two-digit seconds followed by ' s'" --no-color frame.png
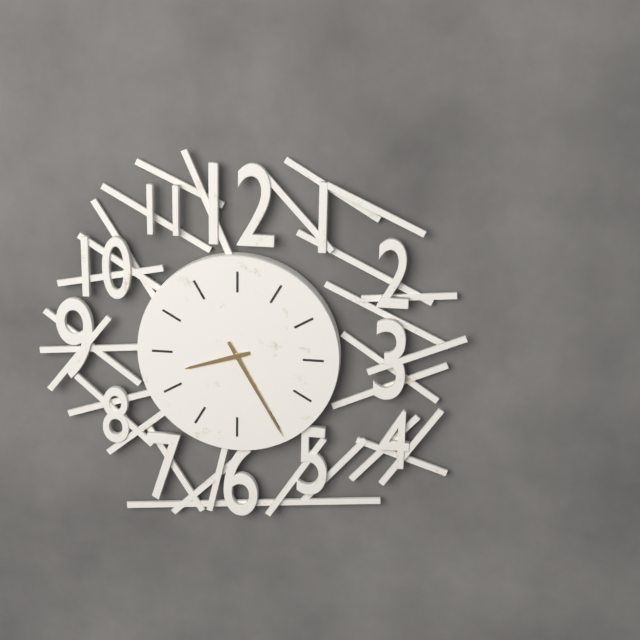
8 h 25 min
